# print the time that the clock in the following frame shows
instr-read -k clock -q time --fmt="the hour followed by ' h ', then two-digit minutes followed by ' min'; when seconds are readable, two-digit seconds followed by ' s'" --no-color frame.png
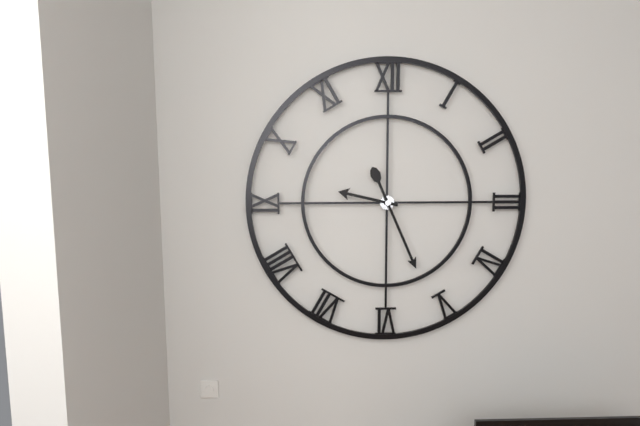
9 h 26 min
